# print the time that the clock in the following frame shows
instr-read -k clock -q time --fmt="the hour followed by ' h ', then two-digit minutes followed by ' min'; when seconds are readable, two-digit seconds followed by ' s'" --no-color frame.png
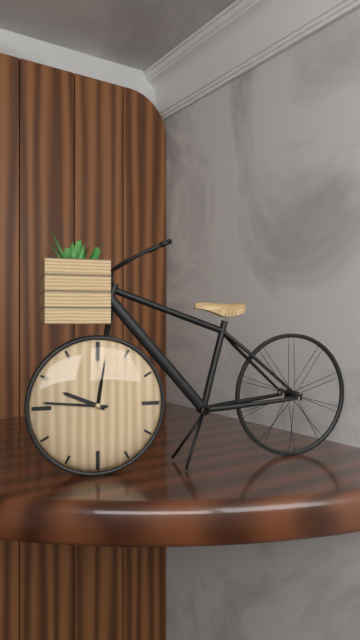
9 h 46 min
